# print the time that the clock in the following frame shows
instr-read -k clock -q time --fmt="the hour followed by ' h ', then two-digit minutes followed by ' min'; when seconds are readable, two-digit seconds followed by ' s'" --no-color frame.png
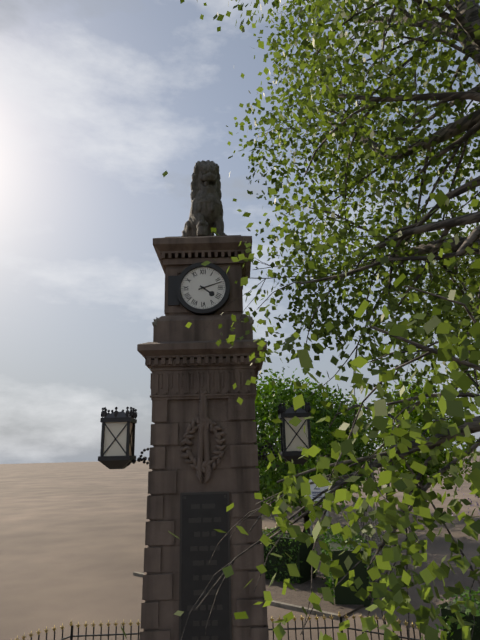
4 h 12 min
